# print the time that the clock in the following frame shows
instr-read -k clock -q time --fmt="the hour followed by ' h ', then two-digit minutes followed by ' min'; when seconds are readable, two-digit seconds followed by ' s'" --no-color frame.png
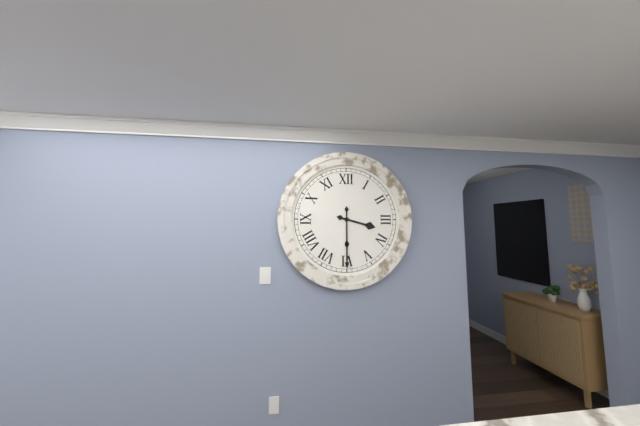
3 h 30 min
